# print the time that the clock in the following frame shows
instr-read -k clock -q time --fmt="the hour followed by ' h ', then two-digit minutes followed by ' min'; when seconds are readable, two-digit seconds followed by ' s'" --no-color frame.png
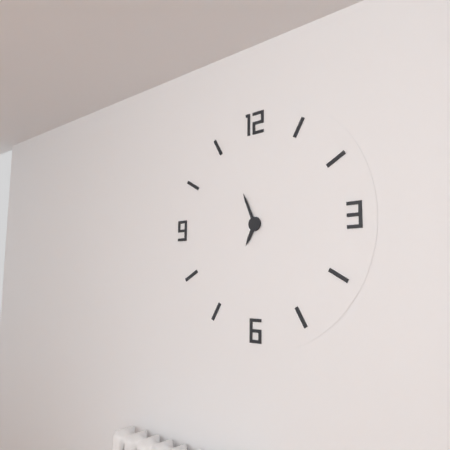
6 h 56 min
